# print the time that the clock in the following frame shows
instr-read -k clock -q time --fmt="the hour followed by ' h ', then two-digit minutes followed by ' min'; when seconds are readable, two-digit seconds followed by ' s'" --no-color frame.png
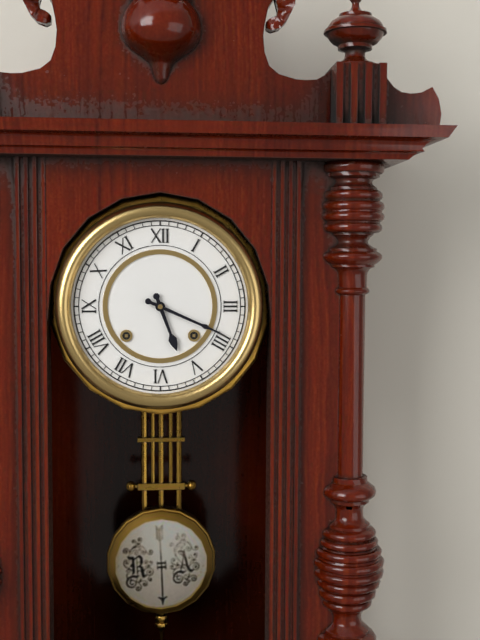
5 h 19 min
